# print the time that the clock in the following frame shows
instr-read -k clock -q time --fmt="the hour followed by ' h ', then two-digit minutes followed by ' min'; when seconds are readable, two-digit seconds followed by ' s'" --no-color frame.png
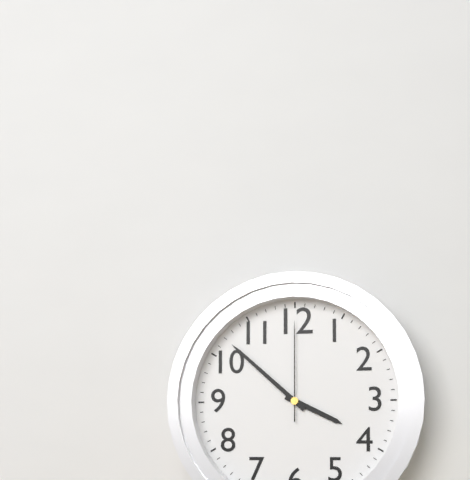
3 h 52 min 00 s
